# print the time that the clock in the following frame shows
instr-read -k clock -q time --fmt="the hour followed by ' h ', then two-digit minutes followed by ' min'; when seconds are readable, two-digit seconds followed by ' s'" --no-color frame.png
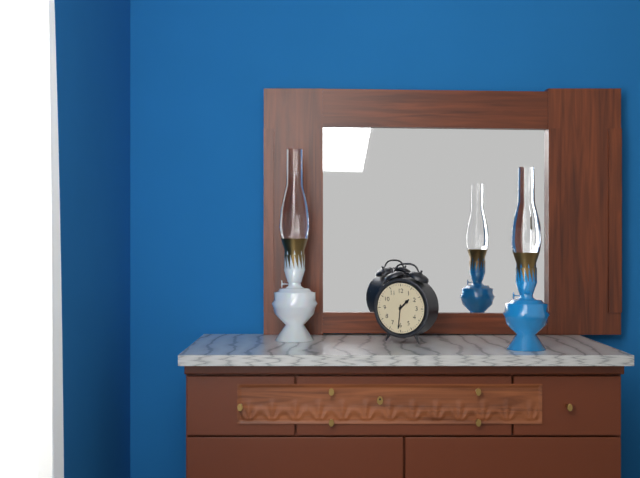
1 h 31 min
